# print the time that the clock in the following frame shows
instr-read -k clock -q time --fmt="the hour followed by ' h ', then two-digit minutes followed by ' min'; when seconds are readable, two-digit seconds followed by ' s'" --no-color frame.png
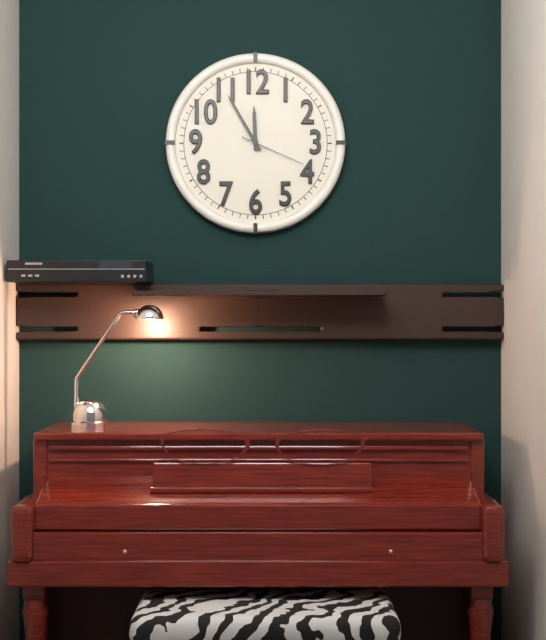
11 h 55 min 19 s
